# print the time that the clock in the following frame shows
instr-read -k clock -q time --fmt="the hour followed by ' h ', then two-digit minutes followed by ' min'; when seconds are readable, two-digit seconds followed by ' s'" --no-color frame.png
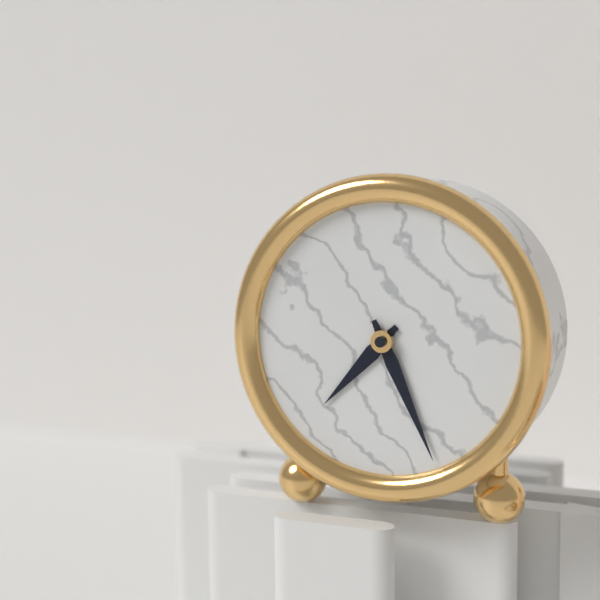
7 h 26 min
